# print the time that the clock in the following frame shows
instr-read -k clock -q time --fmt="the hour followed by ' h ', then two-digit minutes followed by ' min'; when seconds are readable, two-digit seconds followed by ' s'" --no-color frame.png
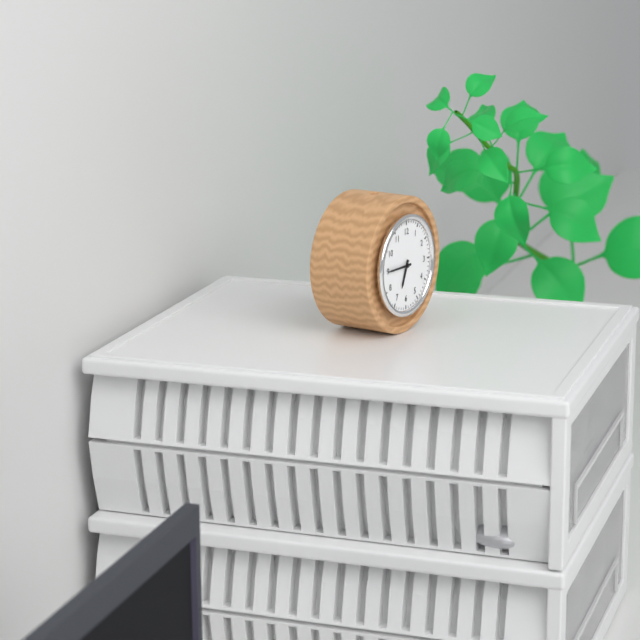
6 h 45 min
